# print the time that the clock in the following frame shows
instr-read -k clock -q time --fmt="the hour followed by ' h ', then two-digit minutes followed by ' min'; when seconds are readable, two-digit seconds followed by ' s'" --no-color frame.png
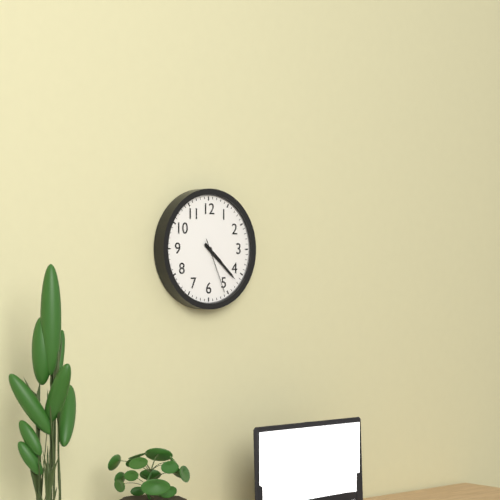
4 h 22 min 26 s
